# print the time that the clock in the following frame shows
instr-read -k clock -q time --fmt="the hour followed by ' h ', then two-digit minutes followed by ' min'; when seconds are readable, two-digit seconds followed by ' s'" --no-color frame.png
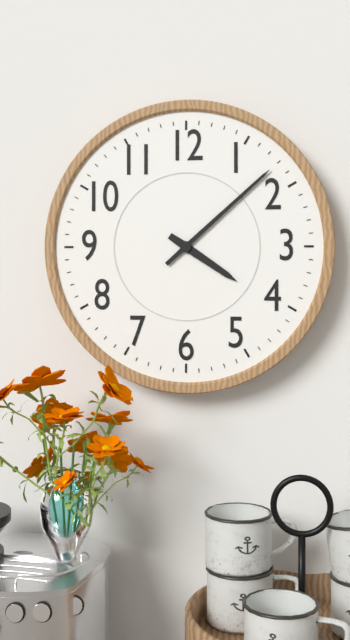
4 h 08 min
